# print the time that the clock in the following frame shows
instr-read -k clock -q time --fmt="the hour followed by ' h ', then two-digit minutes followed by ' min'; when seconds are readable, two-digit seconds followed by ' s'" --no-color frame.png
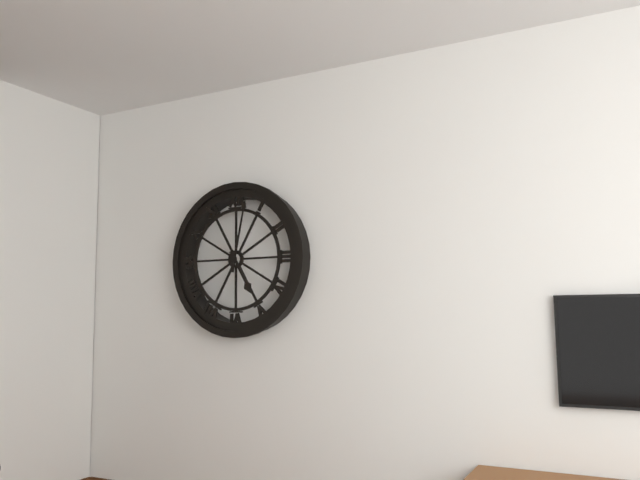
5 h 02 min
